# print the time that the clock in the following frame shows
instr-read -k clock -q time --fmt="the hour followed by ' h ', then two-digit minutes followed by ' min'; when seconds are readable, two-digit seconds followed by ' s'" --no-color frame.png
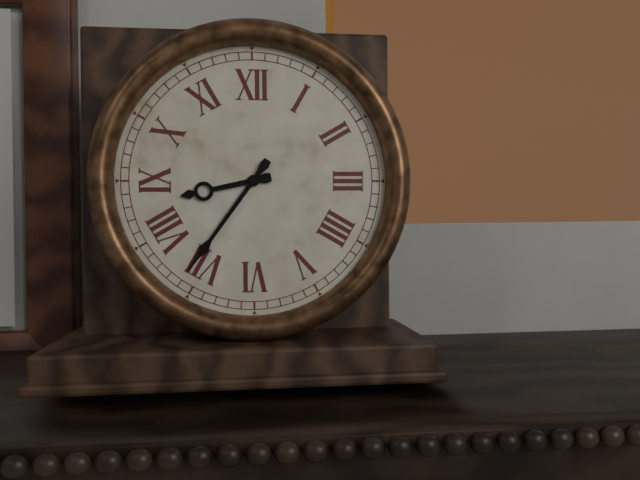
8 h 36 min
